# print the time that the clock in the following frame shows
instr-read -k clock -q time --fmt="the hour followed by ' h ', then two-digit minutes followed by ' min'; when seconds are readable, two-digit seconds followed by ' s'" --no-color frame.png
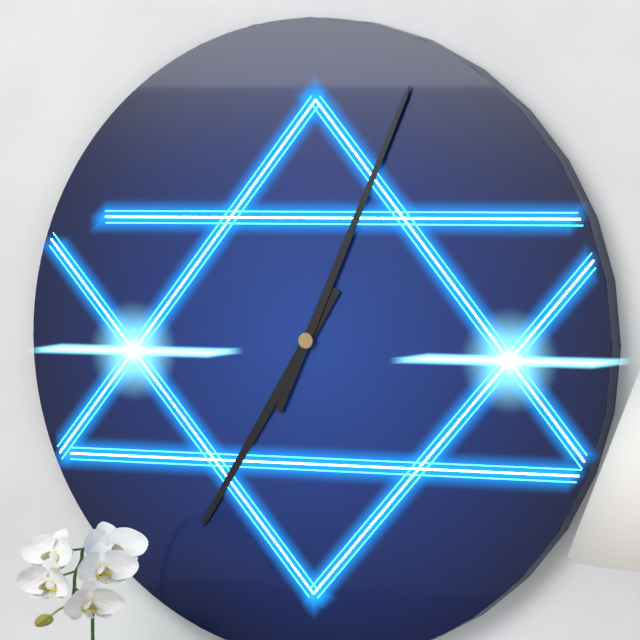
7 h 04 min
